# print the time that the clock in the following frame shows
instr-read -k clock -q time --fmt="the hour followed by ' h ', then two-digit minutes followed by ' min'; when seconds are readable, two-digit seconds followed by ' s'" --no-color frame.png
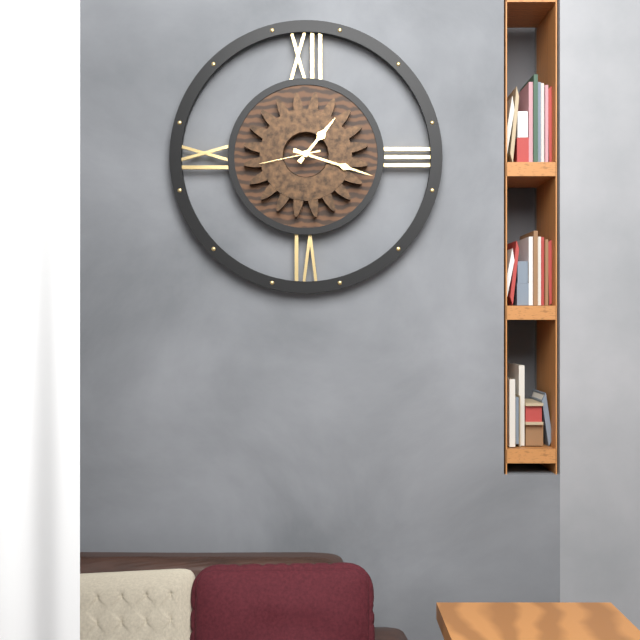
1 h 18 min 43 s
